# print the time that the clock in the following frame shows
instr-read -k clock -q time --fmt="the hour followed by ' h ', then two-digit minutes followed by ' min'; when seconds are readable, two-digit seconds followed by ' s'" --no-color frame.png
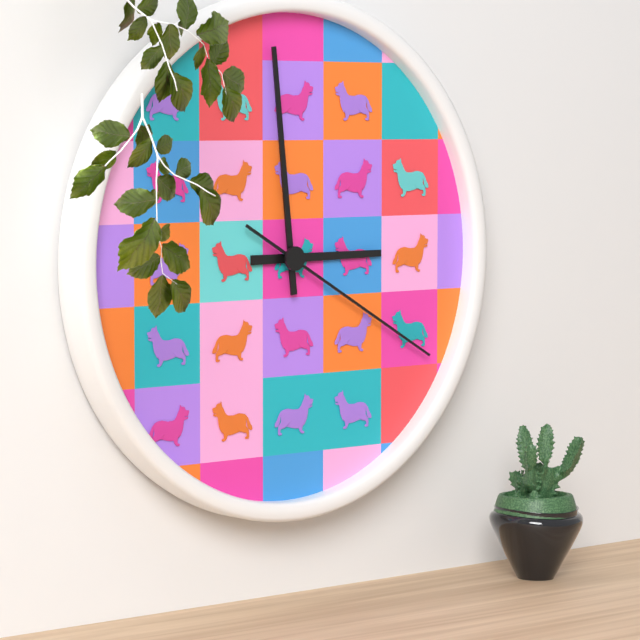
2 h 59 min 20 s
